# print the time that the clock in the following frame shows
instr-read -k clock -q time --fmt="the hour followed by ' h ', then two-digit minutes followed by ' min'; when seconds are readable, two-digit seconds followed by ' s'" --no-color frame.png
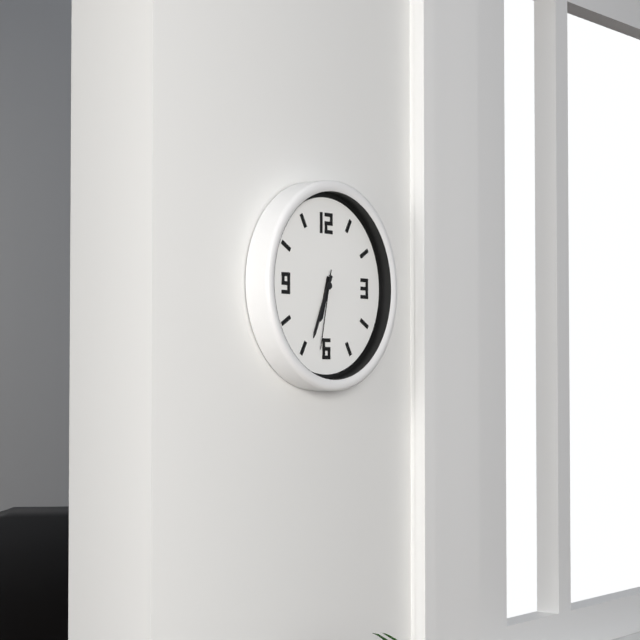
6 h 34 min 32 s
